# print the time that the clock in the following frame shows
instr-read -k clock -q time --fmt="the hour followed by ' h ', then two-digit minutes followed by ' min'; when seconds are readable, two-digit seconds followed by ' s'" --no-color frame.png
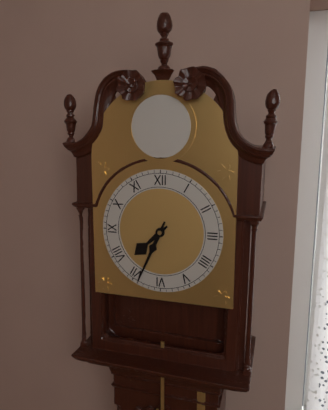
7 h 34 min
